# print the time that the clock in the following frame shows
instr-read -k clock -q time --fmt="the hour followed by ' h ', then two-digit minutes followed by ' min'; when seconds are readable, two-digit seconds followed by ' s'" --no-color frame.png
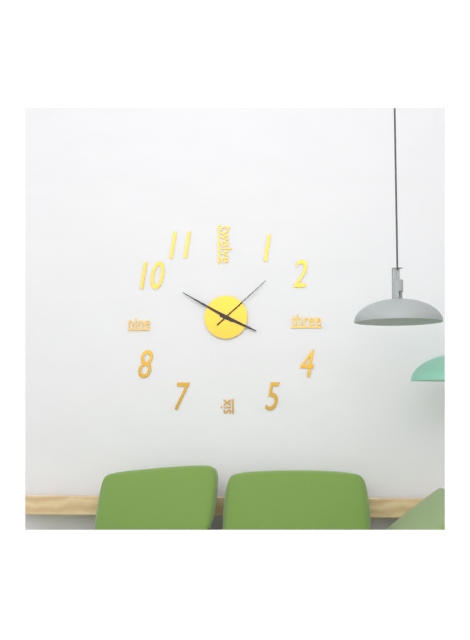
3 h 50 min 08 s
